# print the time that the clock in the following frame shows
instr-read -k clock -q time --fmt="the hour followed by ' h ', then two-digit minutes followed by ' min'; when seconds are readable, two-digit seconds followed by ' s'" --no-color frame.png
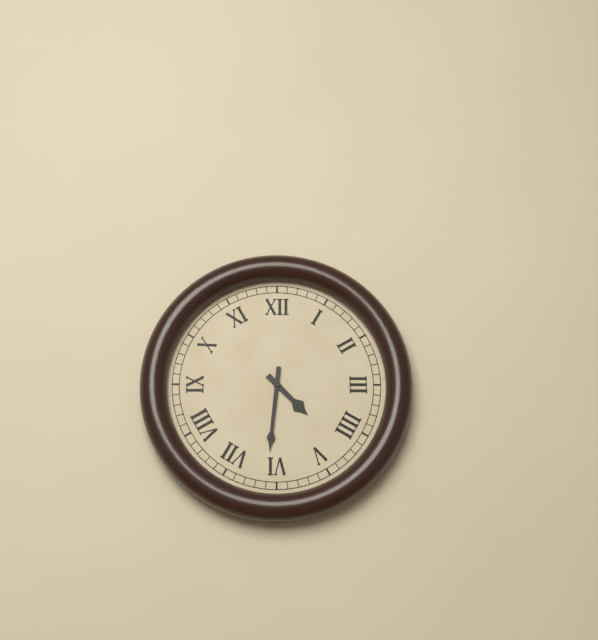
4 h 31 min
